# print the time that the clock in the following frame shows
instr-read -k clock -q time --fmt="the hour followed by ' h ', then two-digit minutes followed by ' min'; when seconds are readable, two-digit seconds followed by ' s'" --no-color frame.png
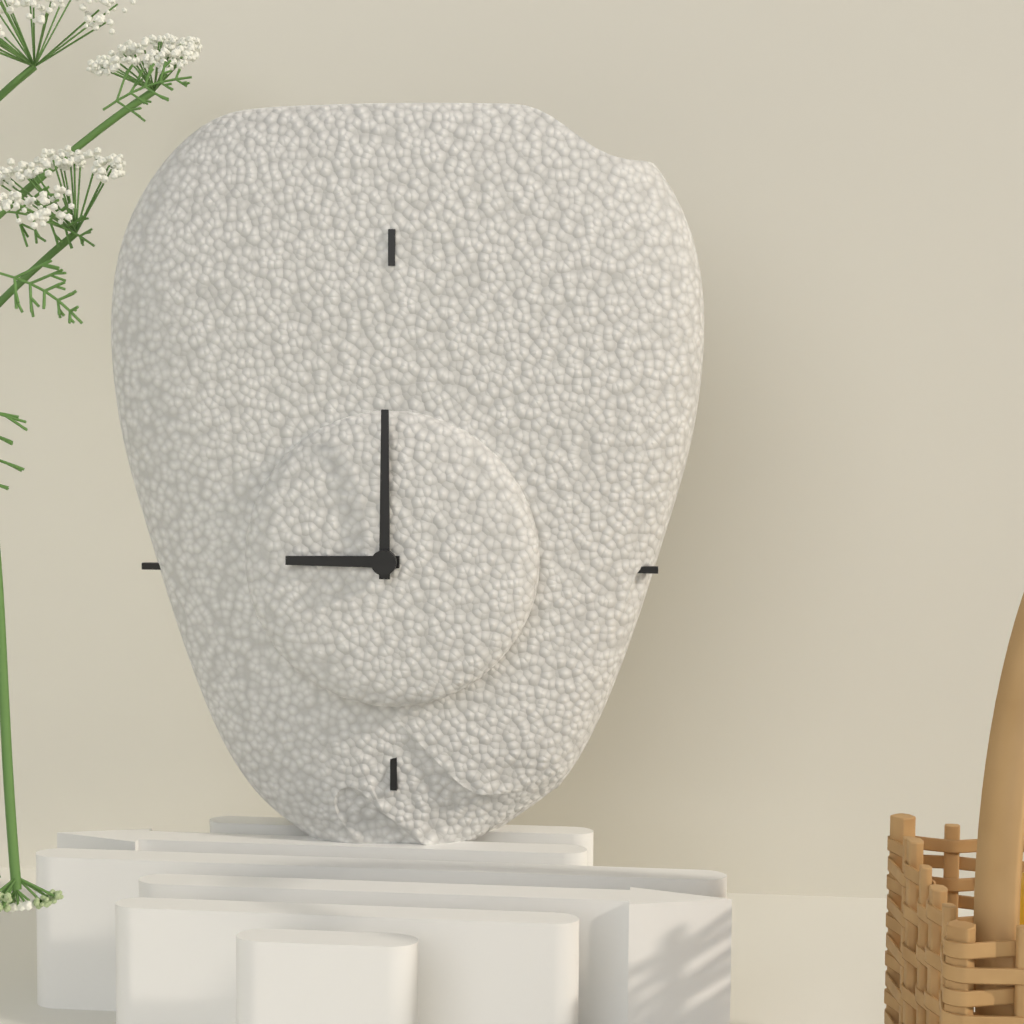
9 h 00 min
